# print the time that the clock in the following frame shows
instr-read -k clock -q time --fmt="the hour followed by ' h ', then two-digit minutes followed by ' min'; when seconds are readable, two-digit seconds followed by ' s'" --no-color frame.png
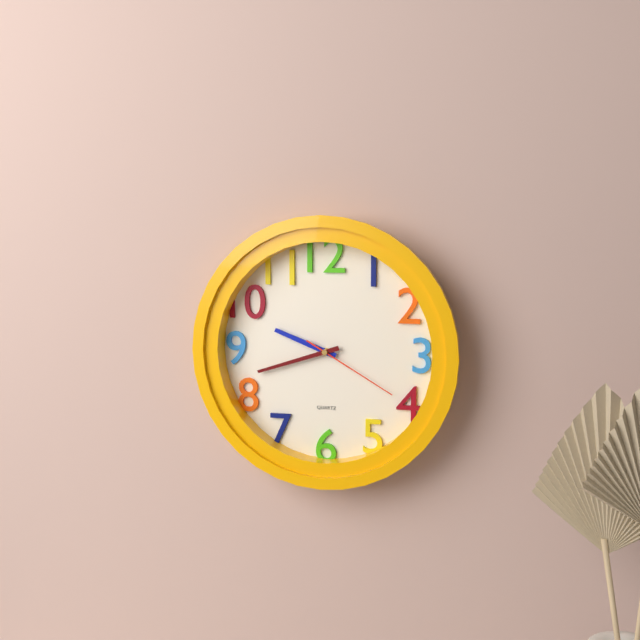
9 h 42 min 20 s
